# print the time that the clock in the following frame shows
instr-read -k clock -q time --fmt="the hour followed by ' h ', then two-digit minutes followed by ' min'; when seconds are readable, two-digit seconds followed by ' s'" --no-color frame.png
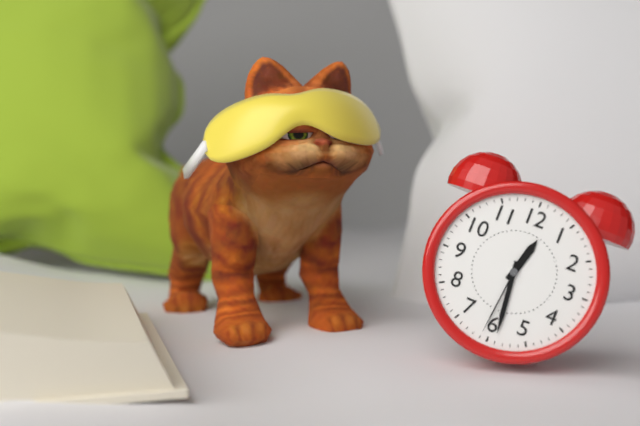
12 h 29 min 31 s
